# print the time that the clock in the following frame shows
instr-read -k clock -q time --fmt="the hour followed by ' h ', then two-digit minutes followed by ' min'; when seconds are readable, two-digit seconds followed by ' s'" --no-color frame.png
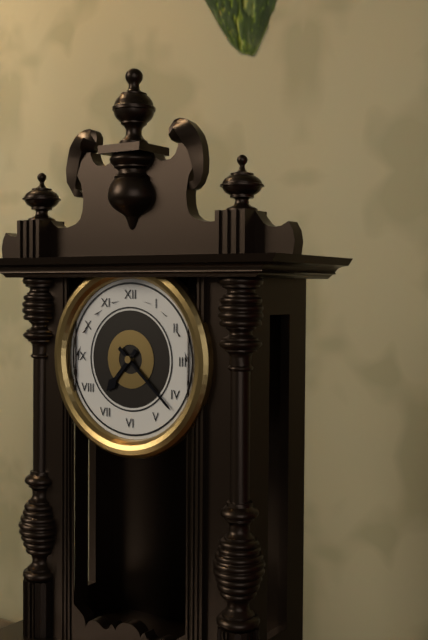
7 h 22 min
